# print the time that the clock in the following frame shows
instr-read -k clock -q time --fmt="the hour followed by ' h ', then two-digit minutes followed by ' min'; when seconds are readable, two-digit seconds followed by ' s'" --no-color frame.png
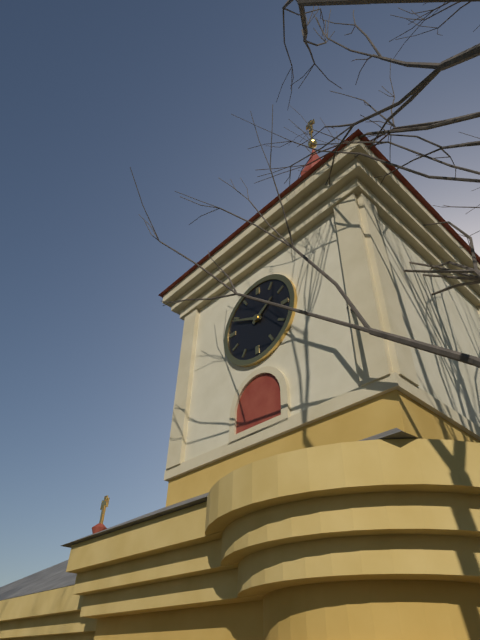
1 h 49 min
